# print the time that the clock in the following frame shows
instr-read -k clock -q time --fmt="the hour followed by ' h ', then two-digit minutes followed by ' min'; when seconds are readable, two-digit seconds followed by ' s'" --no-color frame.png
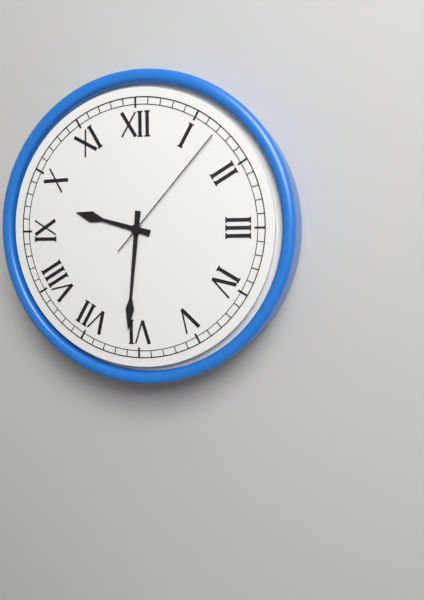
9 h 31 min 07 s
